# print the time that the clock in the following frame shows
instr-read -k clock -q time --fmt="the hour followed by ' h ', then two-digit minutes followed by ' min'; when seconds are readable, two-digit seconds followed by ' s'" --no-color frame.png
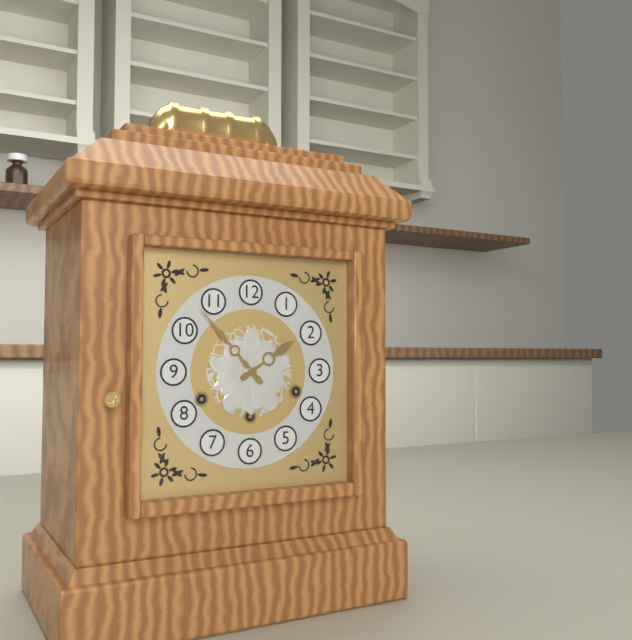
1 h 53 min
